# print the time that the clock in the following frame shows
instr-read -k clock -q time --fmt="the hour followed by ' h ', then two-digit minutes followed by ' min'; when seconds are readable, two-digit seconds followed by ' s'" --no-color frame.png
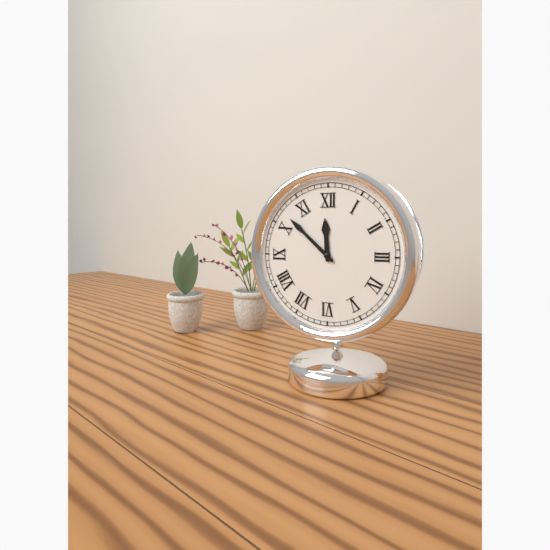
11 h 52 min
